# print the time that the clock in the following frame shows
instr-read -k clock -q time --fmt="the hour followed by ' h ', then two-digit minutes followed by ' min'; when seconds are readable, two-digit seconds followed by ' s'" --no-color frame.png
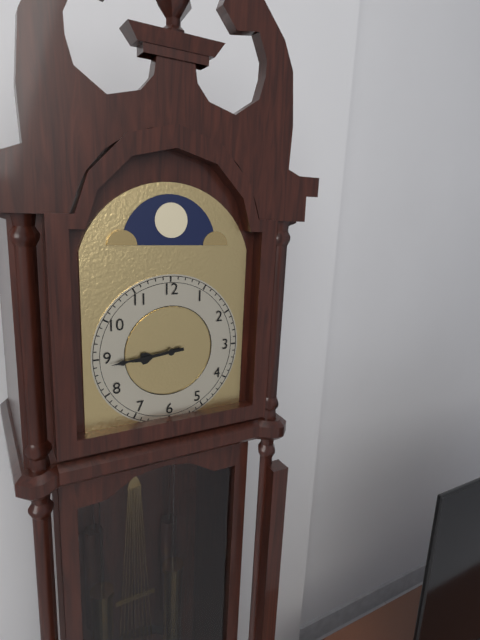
8 h 44 min
